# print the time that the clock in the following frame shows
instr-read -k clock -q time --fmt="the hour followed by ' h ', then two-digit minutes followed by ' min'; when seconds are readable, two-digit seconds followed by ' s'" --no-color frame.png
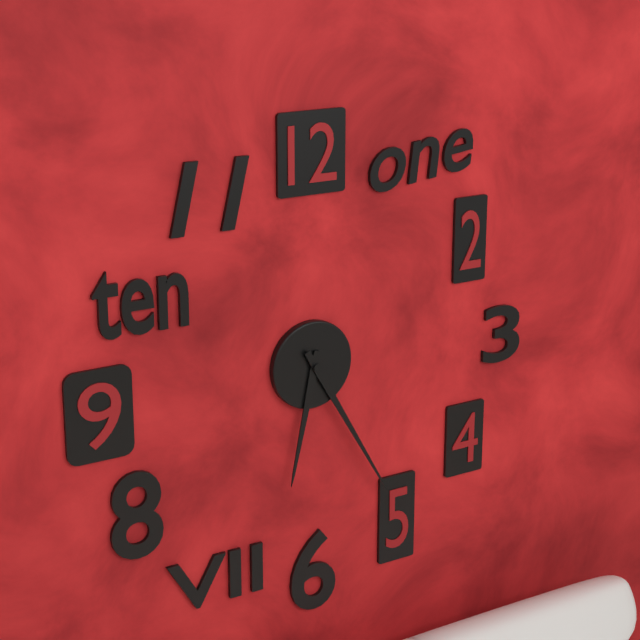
6 h 25 min
